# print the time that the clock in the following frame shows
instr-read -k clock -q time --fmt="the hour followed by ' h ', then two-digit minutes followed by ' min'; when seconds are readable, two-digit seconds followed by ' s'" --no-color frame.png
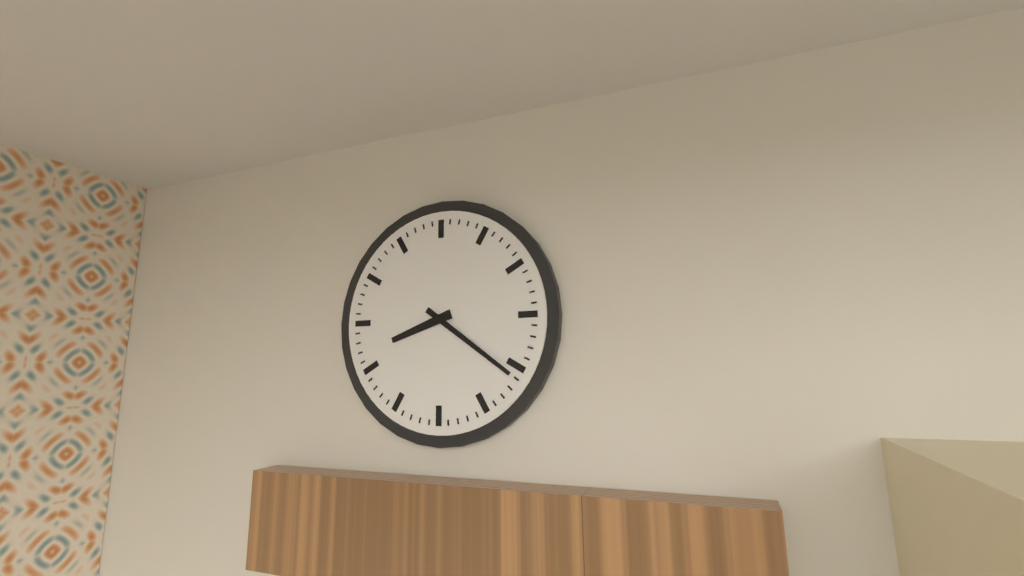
8 h 21 min
